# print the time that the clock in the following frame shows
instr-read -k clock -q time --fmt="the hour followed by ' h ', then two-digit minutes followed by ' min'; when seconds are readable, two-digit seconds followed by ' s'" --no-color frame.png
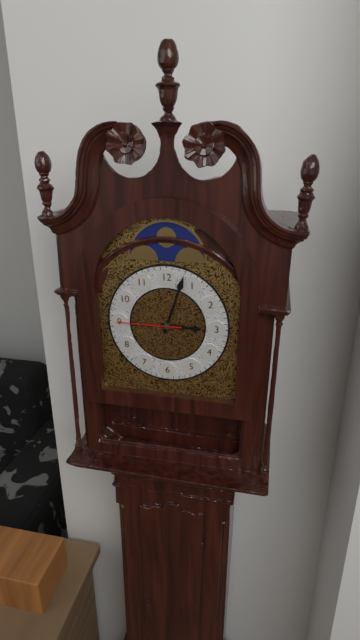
3 h 03 min 45 s
